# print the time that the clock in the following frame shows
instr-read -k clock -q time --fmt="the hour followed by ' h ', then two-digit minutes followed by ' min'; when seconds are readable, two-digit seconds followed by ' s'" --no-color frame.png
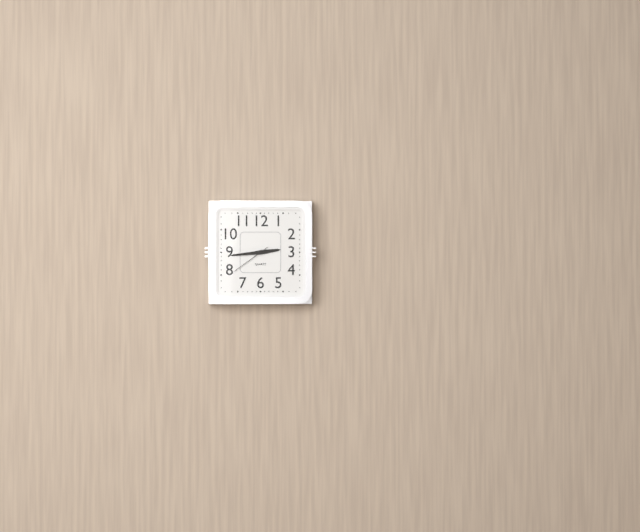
2 h 44 min
